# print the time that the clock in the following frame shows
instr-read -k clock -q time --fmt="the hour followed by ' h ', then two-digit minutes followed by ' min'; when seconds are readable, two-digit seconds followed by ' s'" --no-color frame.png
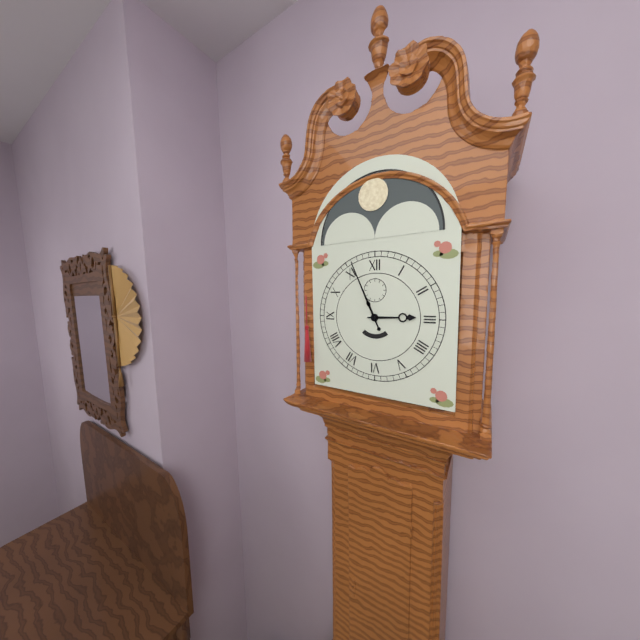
2 h 56 min
